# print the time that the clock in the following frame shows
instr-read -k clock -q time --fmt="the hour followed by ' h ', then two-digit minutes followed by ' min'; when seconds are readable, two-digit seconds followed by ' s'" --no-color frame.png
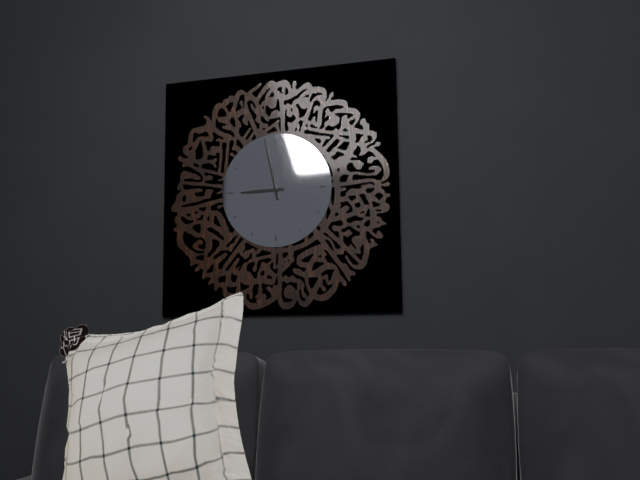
8 h 58 min
